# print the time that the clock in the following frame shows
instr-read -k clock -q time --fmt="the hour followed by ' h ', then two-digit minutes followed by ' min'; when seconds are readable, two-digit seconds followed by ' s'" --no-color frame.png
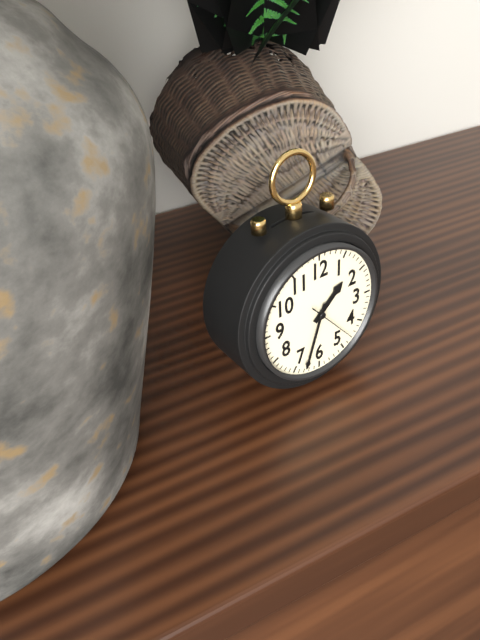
1 h 33 min
